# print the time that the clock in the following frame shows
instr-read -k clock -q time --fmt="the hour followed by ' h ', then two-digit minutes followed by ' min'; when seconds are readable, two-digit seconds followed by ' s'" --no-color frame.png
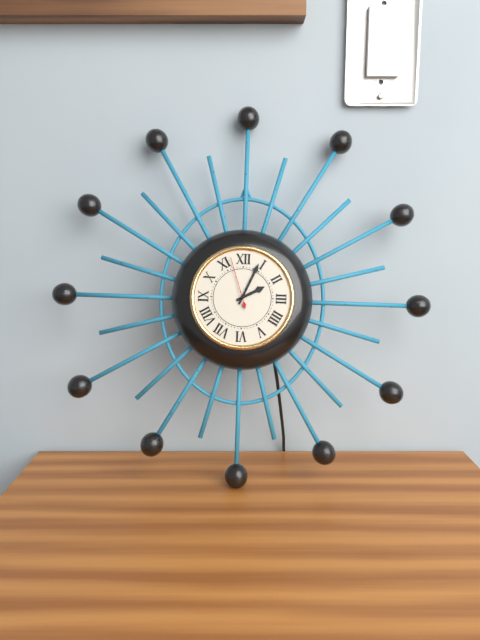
2 h 04 min 57 s
